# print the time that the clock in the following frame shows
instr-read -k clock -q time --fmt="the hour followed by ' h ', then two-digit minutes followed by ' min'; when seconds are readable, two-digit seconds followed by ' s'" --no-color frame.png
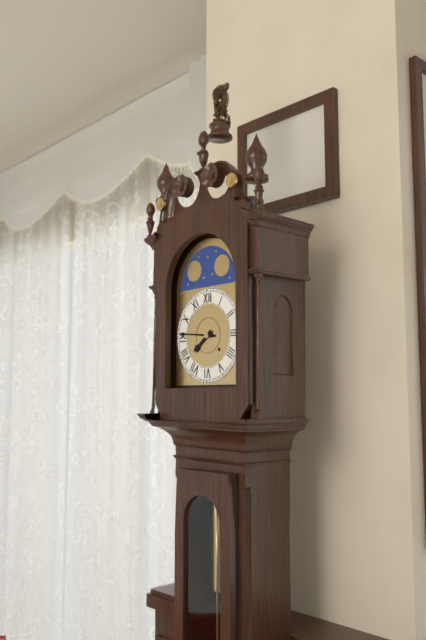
7 h 46 min
